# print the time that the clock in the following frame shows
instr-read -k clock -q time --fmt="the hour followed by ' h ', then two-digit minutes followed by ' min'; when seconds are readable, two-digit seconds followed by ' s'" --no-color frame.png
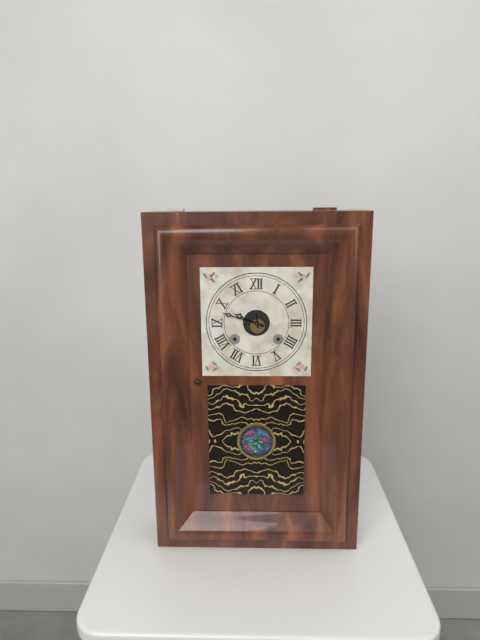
9 h 48 min
